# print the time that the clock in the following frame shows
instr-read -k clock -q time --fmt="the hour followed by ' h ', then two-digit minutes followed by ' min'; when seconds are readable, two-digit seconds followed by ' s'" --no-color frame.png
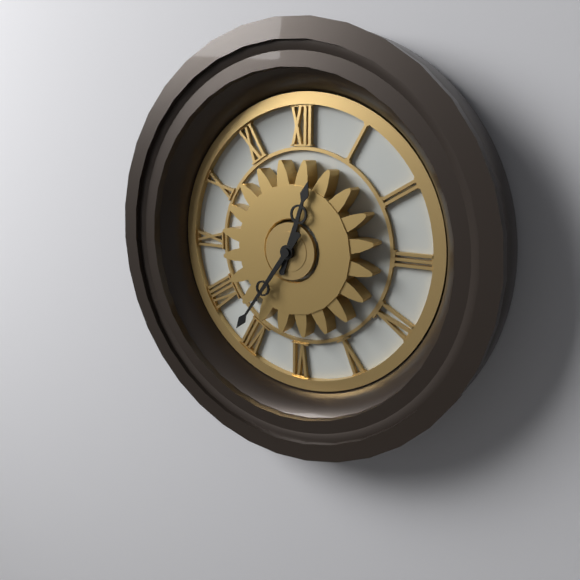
12 h 36 min
